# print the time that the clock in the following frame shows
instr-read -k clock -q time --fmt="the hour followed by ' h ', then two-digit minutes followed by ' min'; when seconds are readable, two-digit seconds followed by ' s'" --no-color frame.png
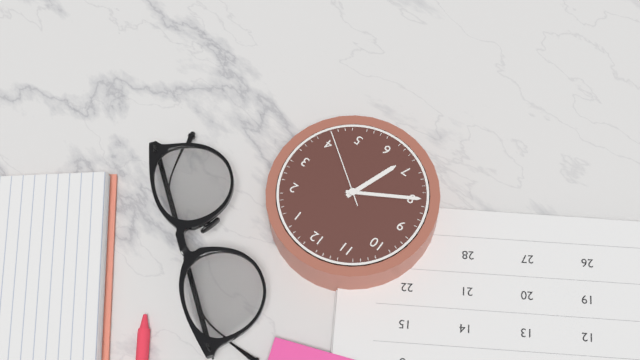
6 h 40 min 21 s
